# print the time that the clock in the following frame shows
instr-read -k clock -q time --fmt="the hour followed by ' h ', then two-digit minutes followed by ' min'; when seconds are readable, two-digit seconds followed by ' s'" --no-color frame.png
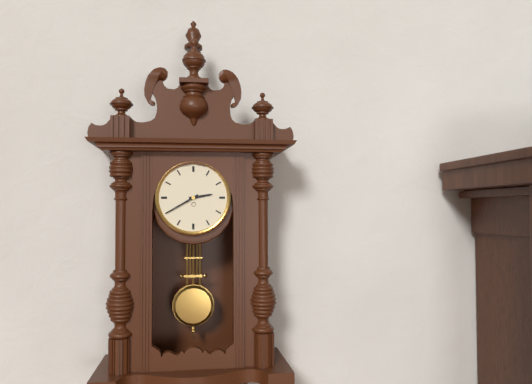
2 h 40 min
